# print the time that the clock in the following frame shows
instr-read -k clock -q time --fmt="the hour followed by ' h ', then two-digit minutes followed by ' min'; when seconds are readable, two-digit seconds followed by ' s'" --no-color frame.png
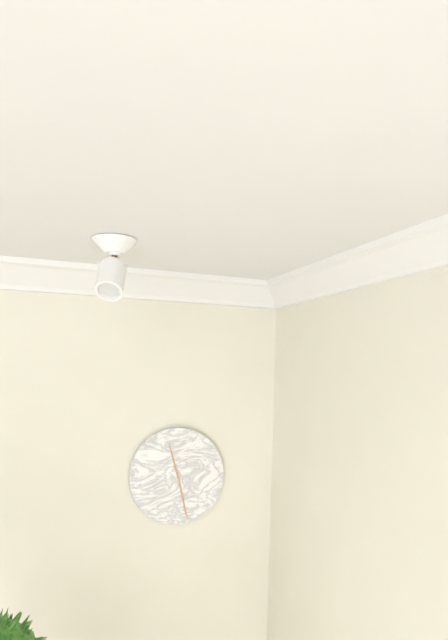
11 h 28 min
